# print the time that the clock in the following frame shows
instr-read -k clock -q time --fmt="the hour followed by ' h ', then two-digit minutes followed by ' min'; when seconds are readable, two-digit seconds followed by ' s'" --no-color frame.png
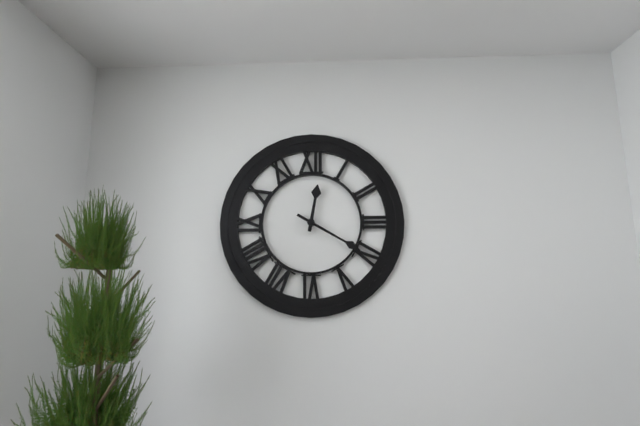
12 h 20 min
